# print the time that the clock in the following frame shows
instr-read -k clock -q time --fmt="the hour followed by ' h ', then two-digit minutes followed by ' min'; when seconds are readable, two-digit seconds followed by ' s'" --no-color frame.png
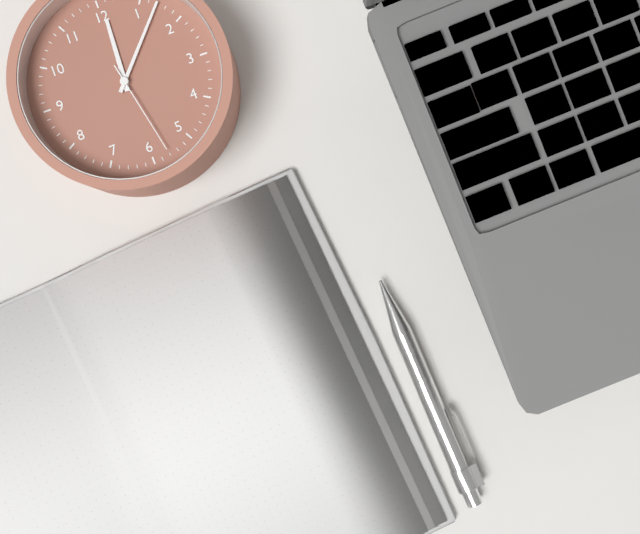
12 h 07 min 28 s
